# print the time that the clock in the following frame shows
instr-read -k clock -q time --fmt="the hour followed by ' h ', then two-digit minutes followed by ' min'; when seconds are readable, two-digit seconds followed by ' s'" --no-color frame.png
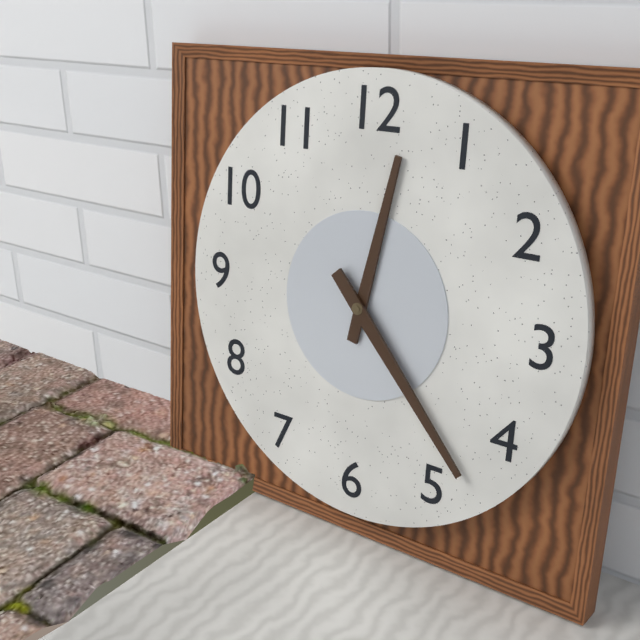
12 h 23 min
